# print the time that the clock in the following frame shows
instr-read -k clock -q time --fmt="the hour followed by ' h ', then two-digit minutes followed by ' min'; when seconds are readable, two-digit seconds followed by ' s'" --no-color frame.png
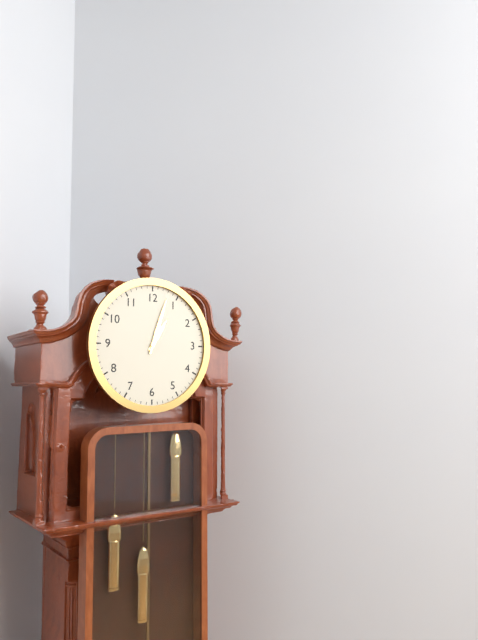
1 h 03 min
